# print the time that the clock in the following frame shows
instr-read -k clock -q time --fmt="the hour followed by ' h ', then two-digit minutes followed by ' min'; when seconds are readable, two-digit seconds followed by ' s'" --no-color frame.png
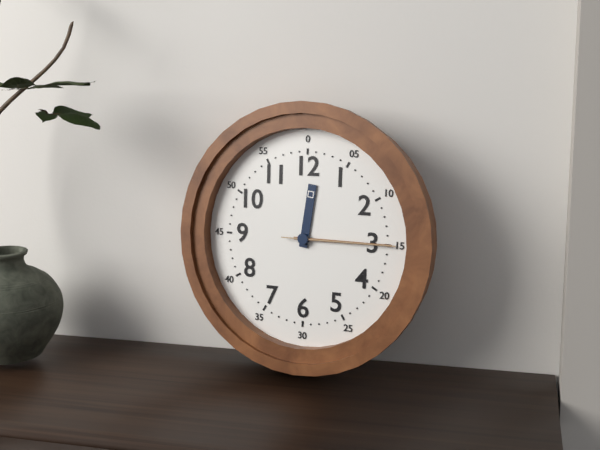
12 h 15 min 15 s
